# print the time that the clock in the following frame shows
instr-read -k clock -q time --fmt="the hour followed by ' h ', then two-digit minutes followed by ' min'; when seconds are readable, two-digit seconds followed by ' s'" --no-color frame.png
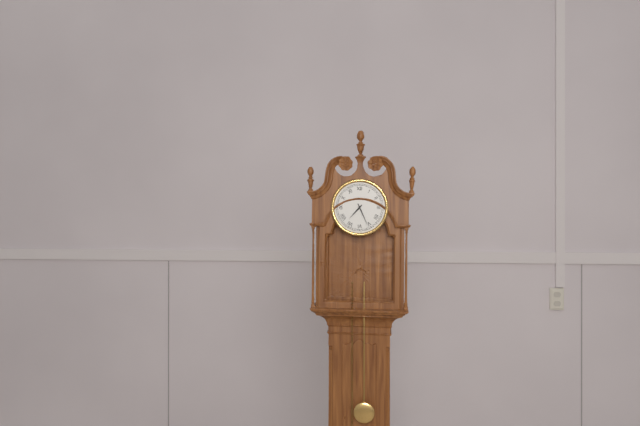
7 h 26 min
